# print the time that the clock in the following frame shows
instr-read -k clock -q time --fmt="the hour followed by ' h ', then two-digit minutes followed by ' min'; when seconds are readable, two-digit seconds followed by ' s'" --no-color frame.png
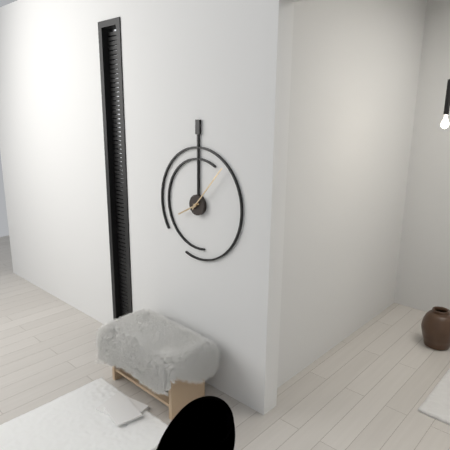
8 h 07 min
